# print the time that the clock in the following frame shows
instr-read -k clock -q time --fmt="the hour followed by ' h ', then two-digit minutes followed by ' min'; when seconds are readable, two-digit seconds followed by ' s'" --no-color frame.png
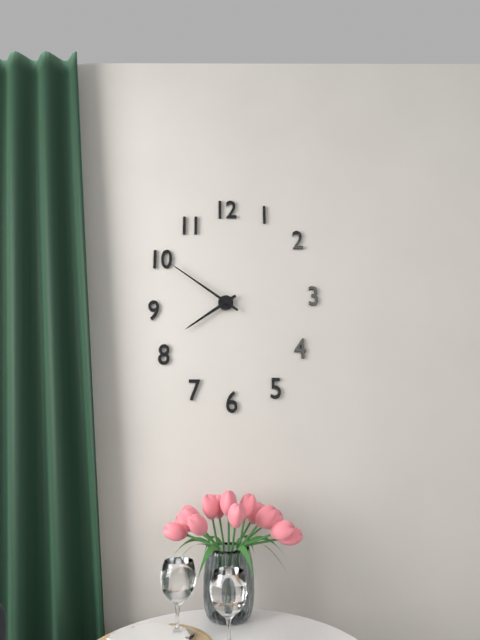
7 h 51 min
